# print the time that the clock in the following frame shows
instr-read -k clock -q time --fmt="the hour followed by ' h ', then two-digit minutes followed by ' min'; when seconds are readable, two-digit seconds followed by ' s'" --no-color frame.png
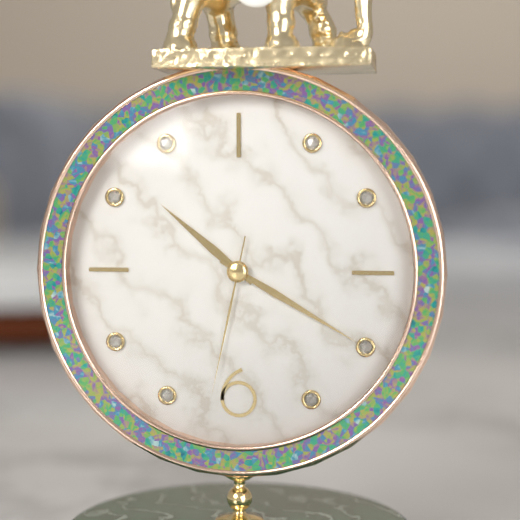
10 h 20 min 32 s
